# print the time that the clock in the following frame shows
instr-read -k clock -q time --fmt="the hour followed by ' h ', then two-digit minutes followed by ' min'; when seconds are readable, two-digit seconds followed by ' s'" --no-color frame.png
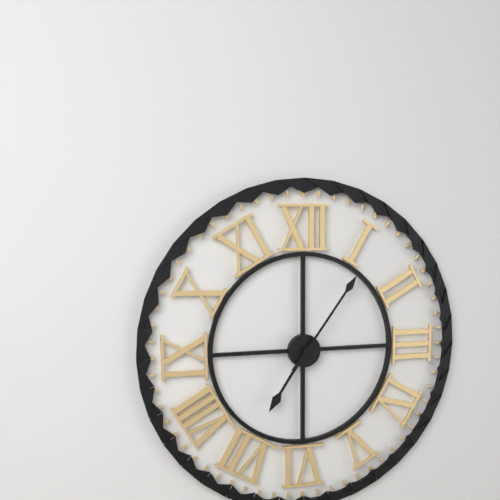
7 h 06 min
